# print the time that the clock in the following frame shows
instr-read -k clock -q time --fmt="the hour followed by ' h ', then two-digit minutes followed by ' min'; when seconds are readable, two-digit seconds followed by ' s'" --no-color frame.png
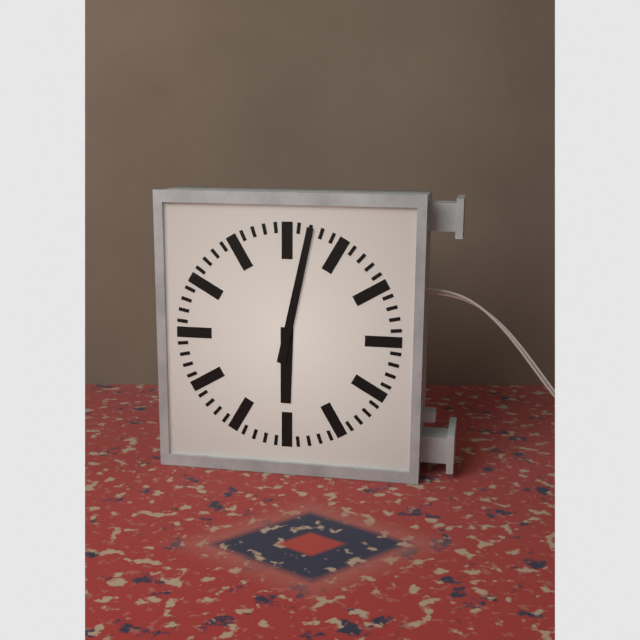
6 h 02 min
